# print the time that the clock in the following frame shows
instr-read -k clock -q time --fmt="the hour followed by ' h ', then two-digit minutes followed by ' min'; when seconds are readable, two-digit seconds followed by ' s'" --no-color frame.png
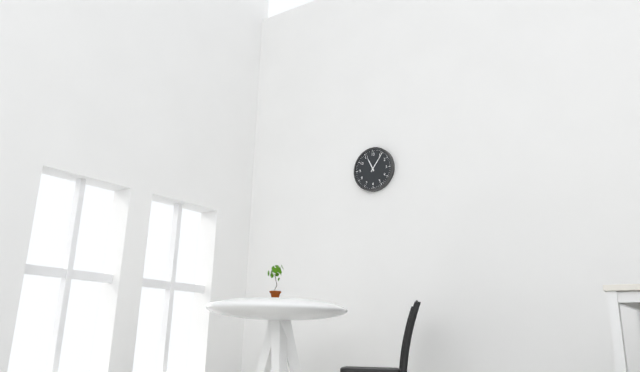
11 h 06 min
